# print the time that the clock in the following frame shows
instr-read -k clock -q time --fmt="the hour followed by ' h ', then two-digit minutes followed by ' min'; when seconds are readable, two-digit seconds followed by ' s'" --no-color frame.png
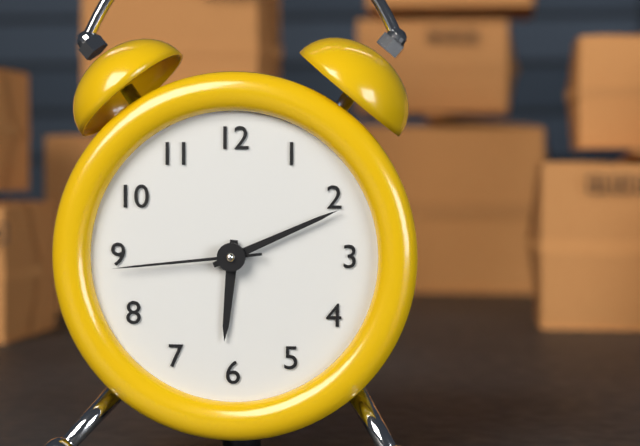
6 h 11 min 44 s
